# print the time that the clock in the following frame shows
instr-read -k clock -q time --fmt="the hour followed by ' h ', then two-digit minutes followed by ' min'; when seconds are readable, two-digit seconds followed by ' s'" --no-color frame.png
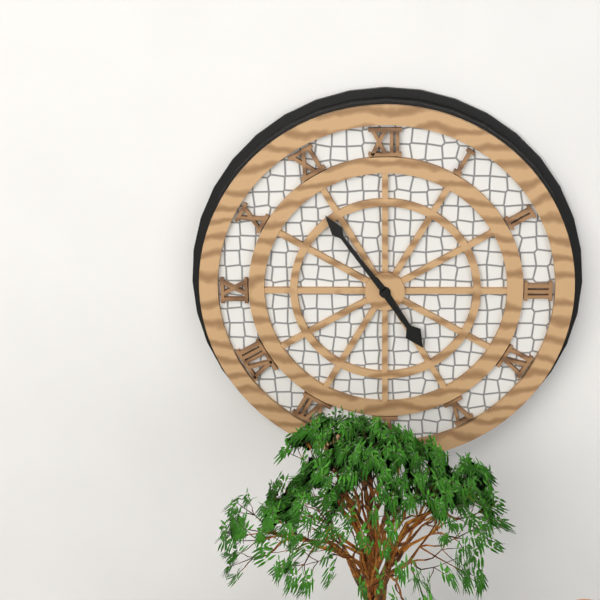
4 h 54 min
